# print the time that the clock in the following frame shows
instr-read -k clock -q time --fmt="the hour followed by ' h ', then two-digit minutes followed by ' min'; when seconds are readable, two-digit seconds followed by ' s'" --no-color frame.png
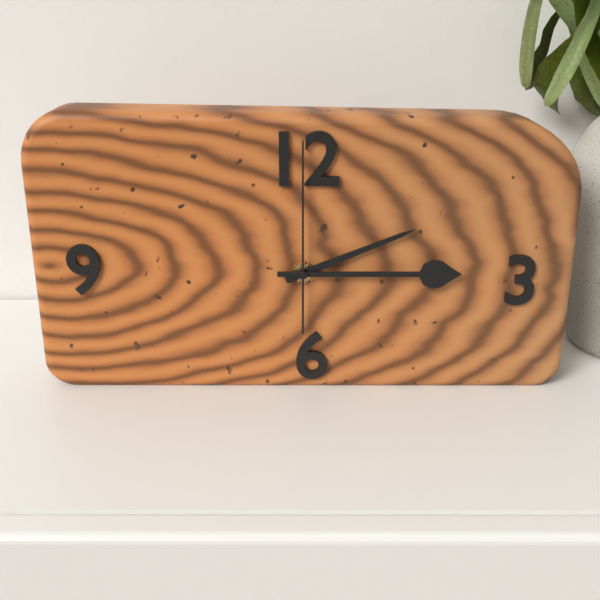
2 h 15 min 00 s
